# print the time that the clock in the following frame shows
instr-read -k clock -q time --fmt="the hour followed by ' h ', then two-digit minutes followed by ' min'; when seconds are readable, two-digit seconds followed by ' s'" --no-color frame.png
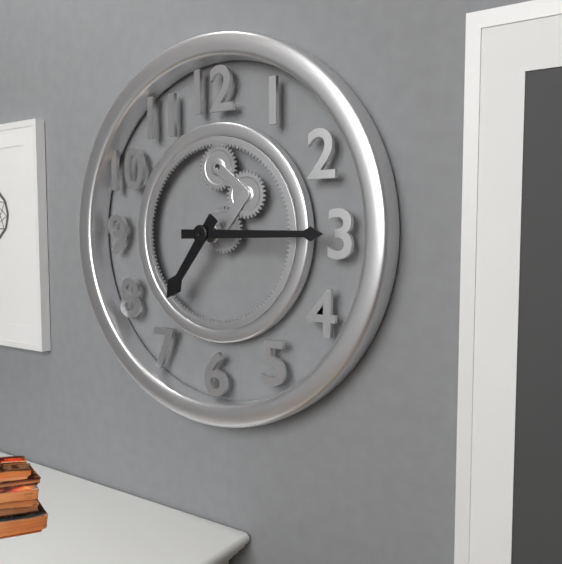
7 h 15 min
